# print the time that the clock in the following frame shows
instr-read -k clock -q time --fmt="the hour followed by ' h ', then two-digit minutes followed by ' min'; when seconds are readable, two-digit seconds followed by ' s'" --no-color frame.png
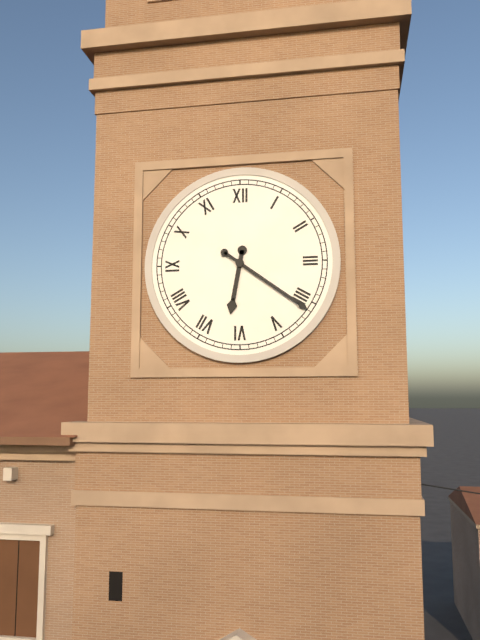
6 h 21 min
